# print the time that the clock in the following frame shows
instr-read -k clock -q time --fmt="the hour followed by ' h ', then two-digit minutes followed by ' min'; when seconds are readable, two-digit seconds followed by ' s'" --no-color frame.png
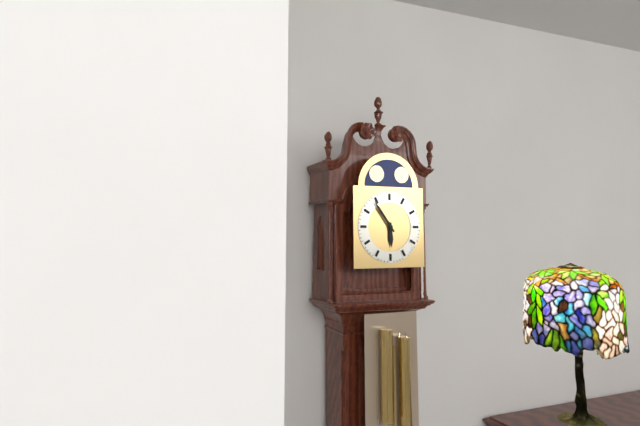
5 h 54 min
